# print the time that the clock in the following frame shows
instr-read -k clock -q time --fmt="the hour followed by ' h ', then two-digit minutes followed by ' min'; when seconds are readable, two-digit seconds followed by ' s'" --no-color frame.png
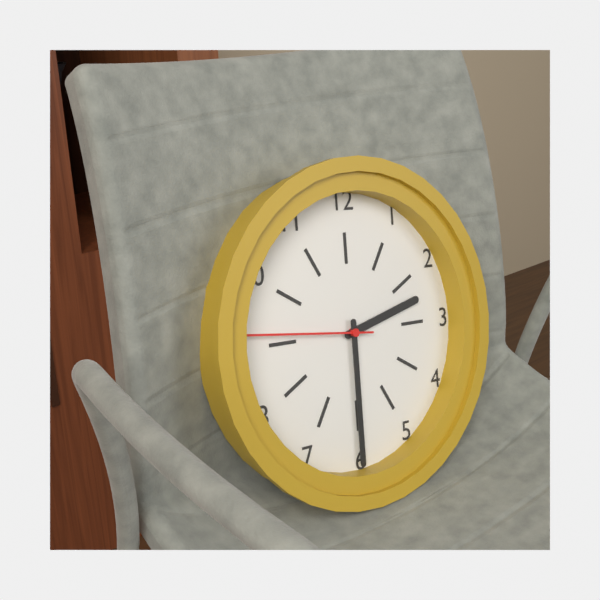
2 h 30 min 46 s
